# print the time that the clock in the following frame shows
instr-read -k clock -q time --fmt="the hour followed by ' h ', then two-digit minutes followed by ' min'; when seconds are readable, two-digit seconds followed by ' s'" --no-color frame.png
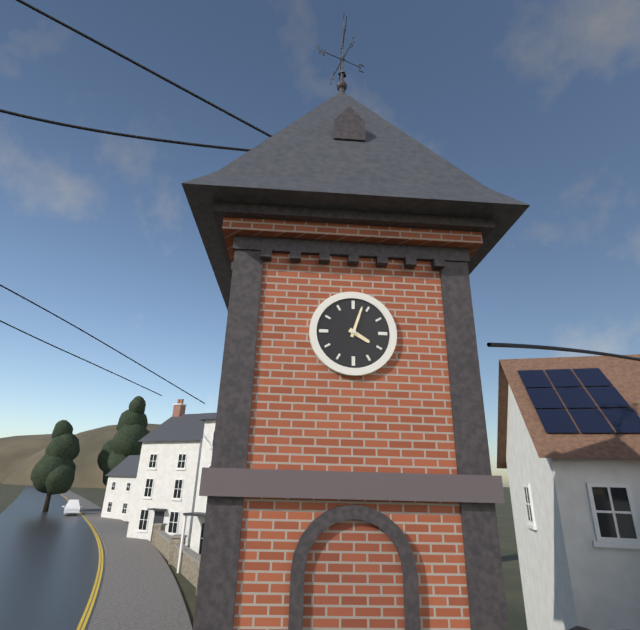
4 h 03 min
